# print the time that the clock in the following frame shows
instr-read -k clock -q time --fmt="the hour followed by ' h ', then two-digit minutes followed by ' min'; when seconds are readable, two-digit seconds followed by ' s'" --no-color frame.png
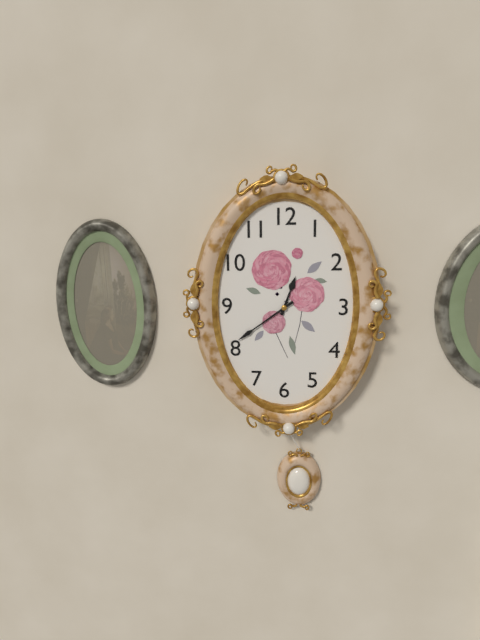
12 h 39 min
